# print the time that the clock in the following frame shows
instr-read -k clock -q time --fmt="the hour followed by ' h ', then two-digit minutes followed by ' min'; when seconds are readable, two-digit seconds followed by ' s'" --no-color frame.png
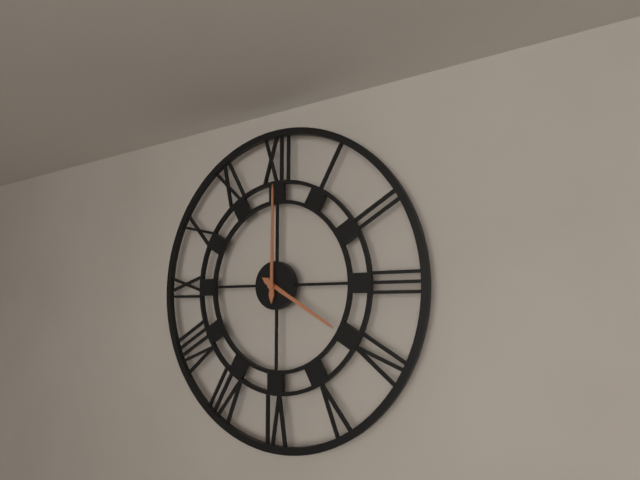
4 h 00 min
